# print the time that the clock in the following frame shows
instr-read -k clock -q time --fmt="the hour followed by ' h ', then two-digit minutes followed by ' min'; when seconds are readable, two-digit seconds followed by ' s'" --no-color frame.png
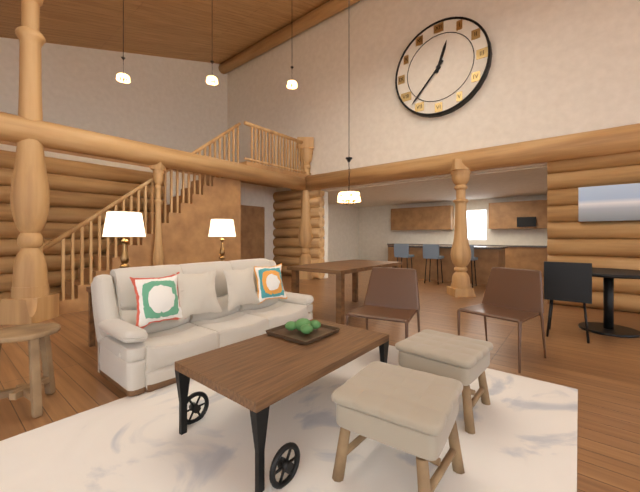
12 h 37 min
